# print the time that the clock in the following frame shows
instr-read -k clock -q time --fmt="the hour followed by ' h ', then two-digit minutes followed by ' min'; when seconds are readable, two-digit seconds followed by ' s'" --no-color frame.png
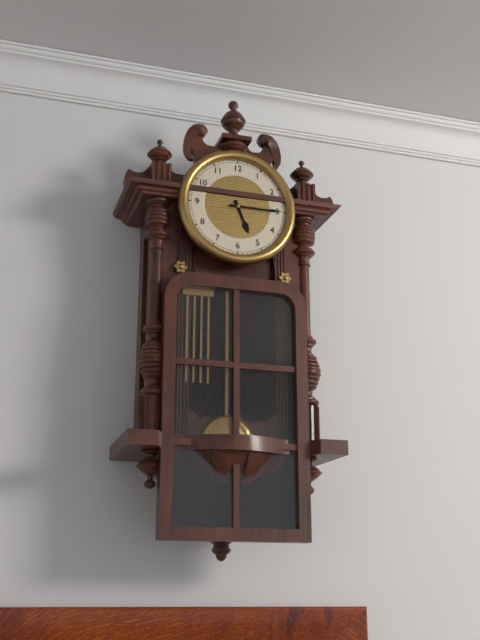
5 h 15 min
